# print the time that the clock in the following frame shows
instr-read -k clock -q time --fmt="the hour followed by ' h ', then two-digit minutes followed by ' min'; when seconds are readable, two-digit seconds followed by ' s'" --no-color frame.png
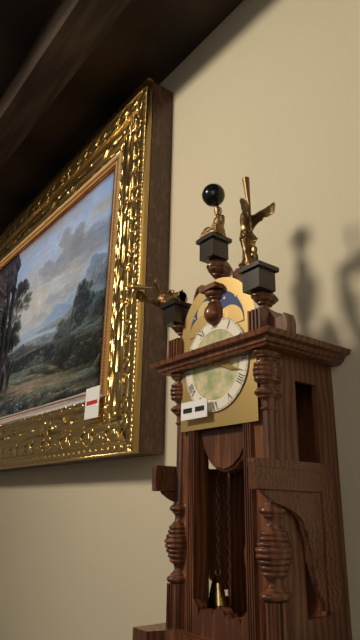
3 h 18 min
